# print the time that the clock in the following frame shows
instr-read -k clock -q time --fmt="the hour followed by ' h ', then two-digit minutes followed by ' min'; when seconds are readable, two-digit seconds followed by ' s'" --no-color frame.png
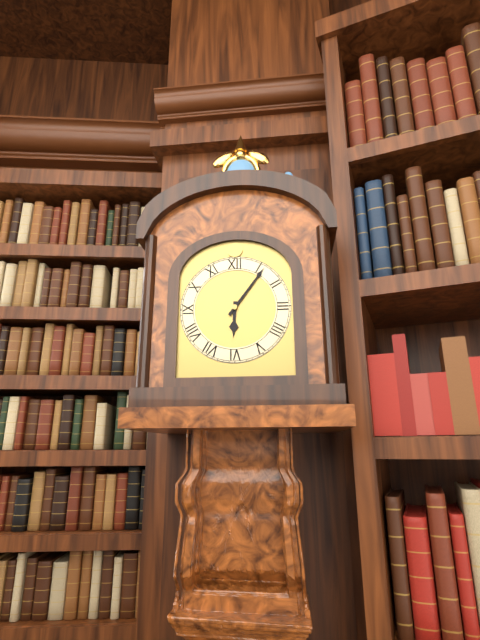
6 h 06 min
